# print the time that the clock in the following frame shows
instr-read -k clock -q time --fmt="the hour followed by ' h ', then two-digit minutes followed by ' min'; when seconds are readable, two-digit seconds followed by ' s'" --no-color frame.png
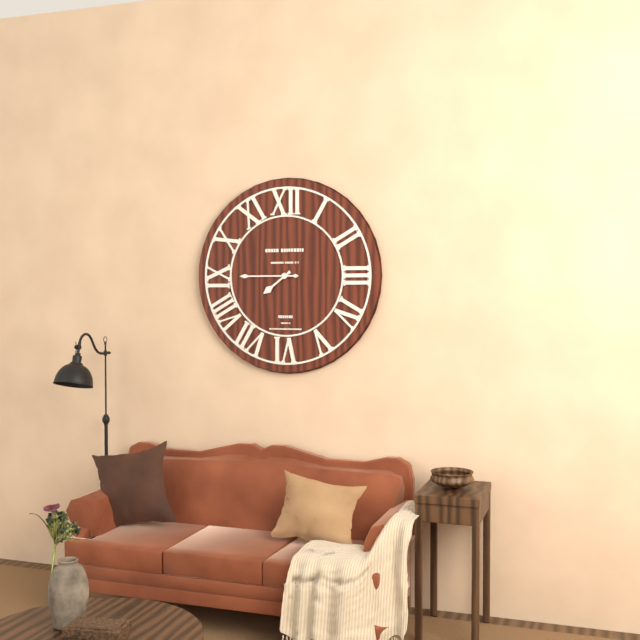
7 h 45 min
